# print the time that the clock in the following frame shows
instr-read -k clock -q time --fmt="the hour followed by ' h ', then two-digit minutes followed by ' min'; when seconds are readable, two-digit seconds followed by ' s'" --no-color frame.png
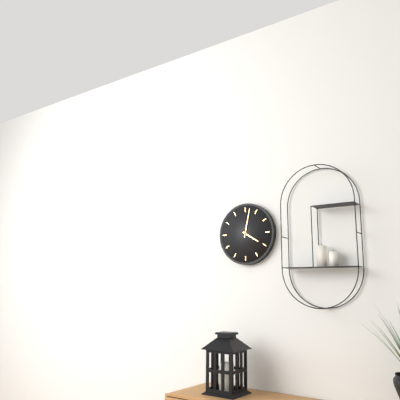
4 h 02 min
